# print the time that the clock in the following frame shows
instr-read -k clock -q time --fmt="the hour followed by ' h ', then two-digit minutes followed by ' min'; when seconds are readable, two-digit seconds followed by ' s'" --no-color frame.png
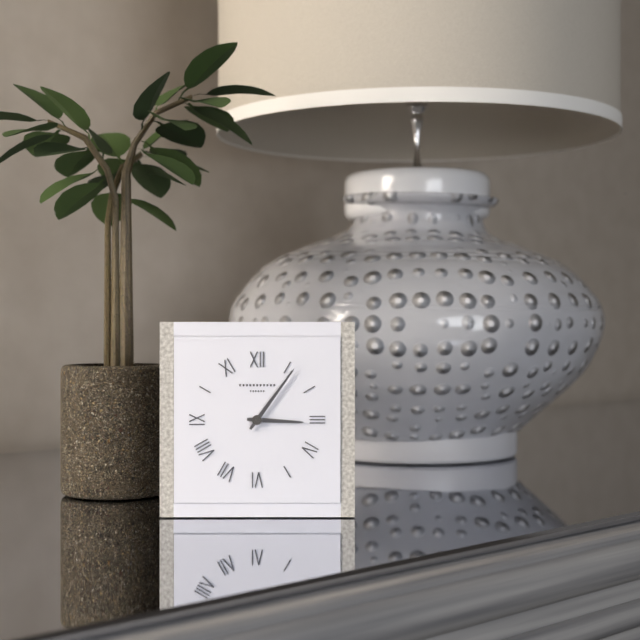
3 h 06 min
